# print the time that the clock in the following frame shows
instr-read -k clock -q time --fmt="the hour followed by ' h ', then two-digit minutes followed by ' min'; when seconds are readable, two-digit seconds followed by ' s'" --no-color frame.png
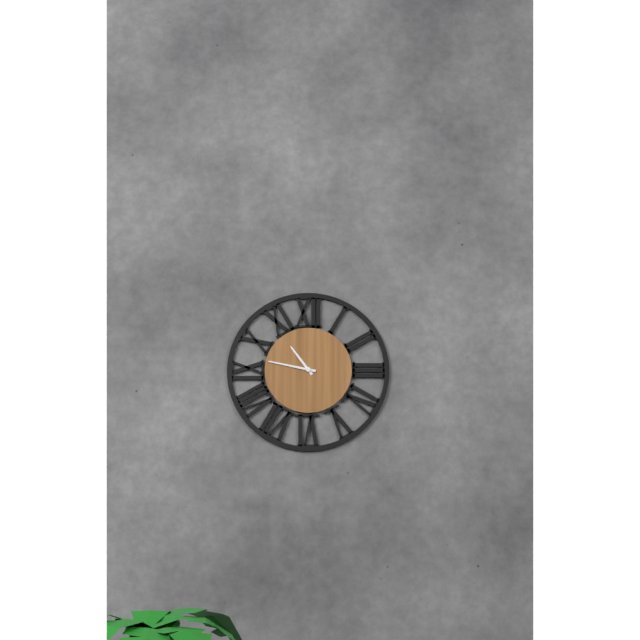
10 h 47 min
